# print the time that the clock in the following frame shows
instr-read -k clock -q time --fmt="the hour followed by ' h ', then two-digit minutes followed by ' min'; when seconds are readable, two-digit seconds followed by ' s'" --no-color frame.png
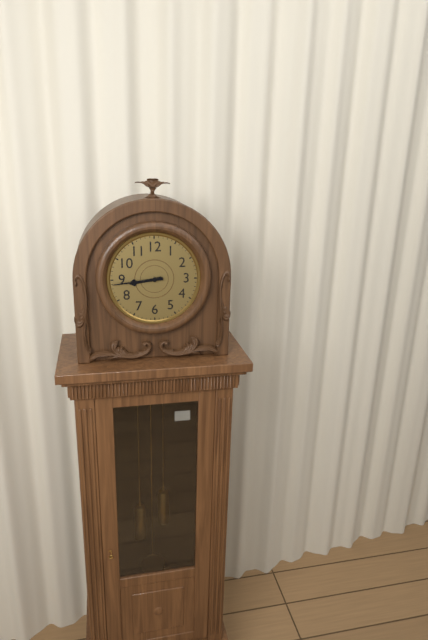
8 h 44 min
